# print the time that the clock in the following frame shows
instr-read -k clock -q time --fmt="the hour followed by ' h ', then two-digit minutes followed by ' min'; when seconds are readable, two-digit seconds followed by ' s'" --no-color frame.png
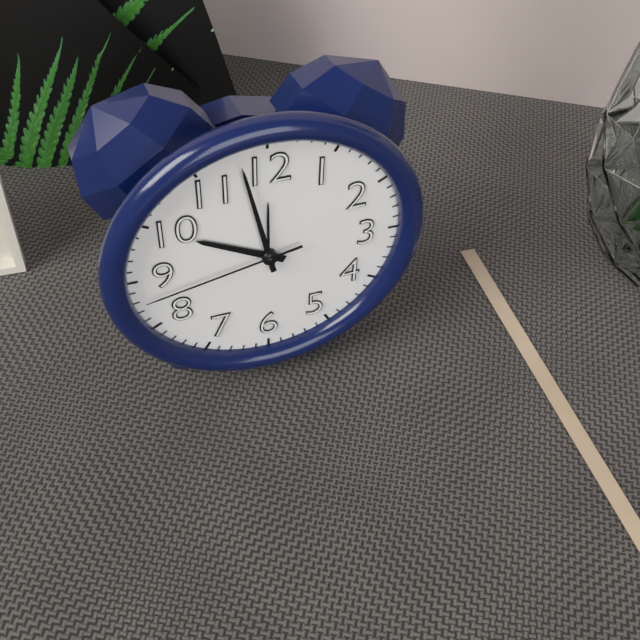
9 h 58 min 43 s
